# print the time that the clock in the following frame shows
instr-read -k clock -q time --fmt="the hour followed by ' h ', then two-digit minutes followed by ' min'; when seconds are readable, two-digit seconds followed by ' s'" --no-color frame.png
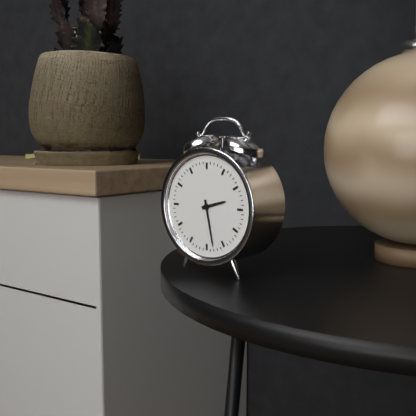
2 h 28 min
